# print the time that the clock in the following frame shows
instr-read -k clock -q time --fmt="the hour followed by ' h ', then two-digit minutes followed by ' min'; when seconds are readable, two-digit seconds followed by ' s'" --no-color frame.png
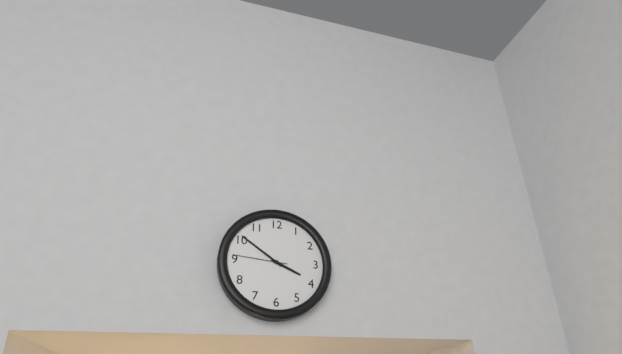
3 h 51 min 46 s
